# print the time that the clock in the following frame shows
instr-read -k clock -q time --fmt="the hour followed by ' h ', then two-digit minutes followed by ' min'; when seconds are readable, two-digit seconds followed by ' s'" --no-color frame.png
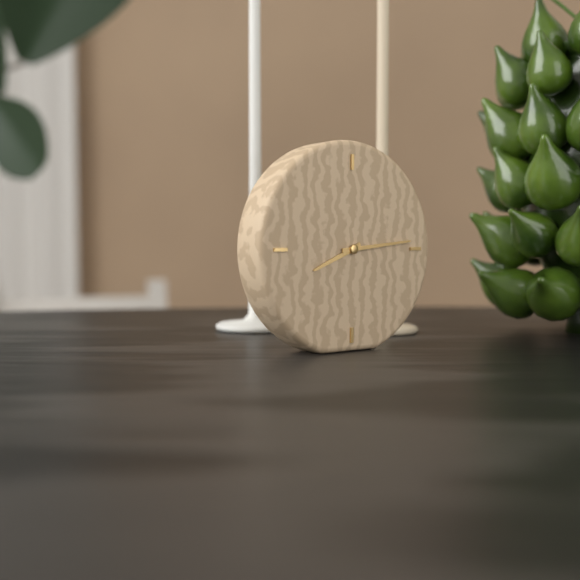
8 h 14 min
